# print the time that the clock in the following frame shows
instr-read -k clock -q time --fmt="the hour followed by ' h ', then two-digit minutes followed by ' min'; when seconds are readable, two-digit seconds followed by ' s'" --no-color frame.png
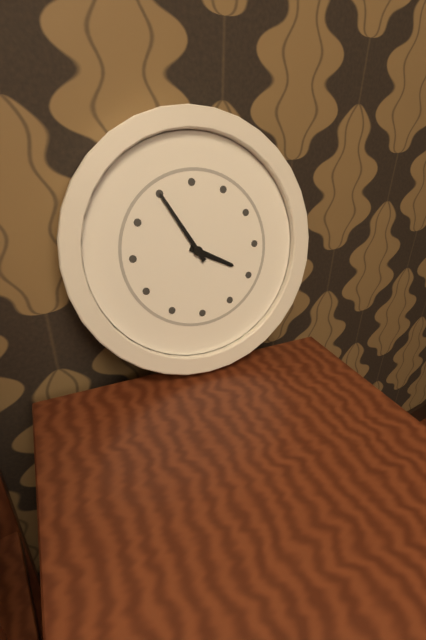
3 h 55 min
